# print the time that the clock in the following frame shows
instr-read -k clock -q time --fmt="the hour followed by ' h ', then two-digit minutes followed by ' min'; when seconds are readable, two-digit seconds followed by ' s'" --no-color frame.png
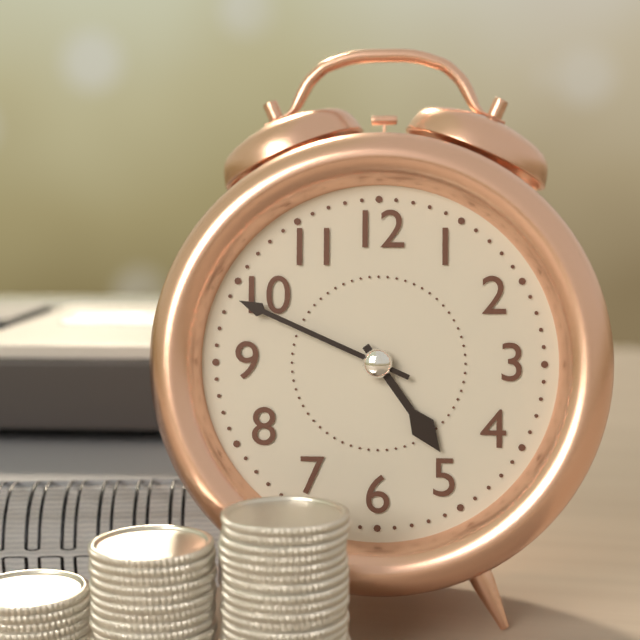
4 h 49 min
